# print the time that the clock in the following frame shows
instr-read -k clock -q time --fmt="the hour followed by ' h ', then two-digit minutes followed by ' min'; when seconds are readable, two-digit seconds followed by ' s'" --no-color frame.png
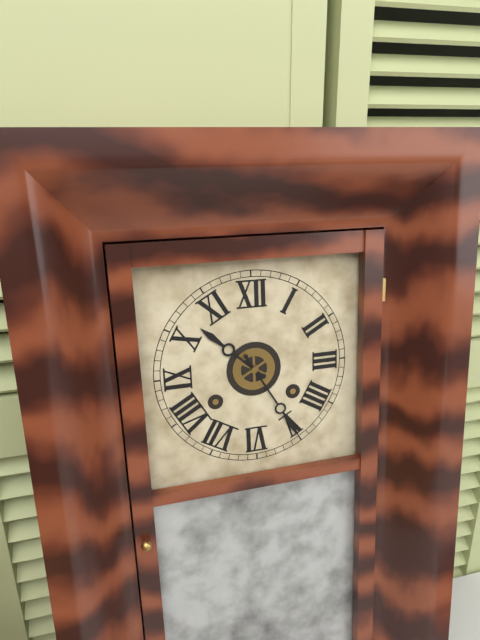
10 h 25 min
